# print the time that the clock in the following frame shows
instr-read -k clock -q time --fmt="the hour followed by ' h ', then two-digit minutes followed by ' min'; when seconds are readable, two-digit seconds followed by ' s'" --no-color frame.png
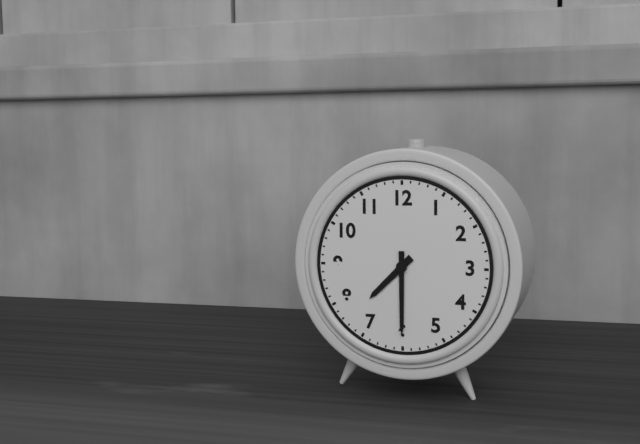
7 h 30 min
